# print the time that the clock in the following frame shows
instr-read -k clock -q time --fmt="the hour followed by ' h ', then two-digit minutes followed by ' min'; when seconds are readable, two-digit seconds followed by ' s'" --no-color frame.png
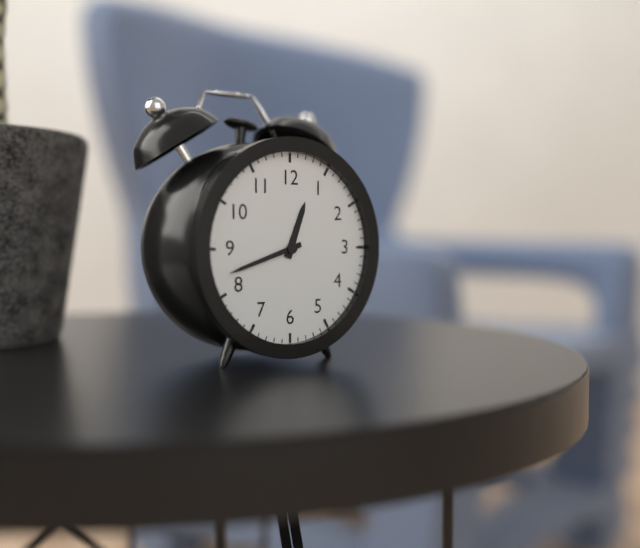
12 h 42 min
